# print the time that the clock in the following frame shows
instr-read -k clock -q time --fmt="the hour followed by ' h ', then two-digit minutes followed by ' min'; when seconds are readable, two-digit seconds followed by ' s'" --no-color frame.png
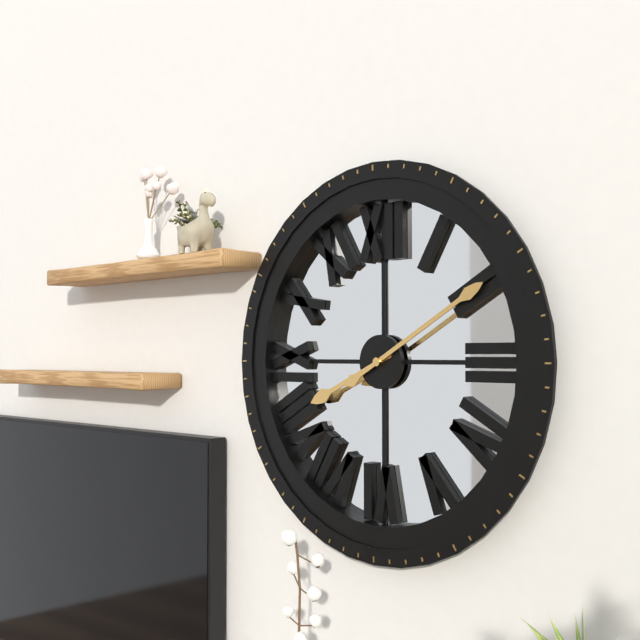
8 h 10 min
